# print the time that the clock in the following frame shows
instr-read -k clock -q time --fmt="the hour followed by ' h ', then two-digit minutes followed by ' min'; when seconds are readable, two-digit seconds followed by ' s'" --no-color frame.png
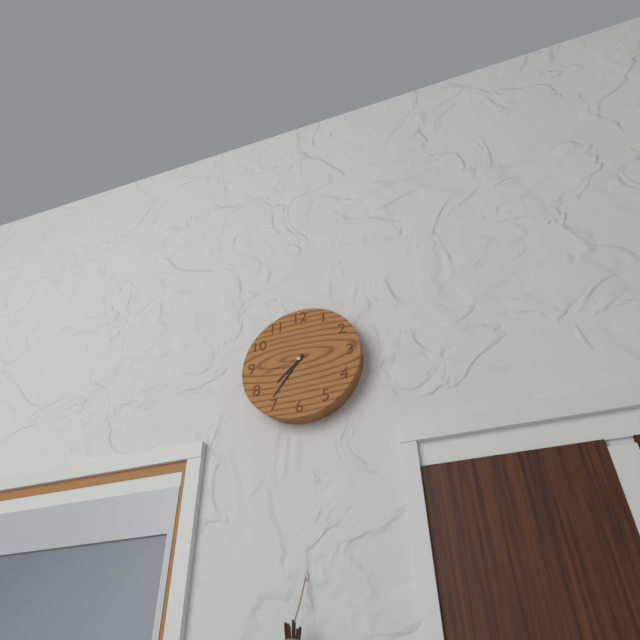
7 h 36 min
